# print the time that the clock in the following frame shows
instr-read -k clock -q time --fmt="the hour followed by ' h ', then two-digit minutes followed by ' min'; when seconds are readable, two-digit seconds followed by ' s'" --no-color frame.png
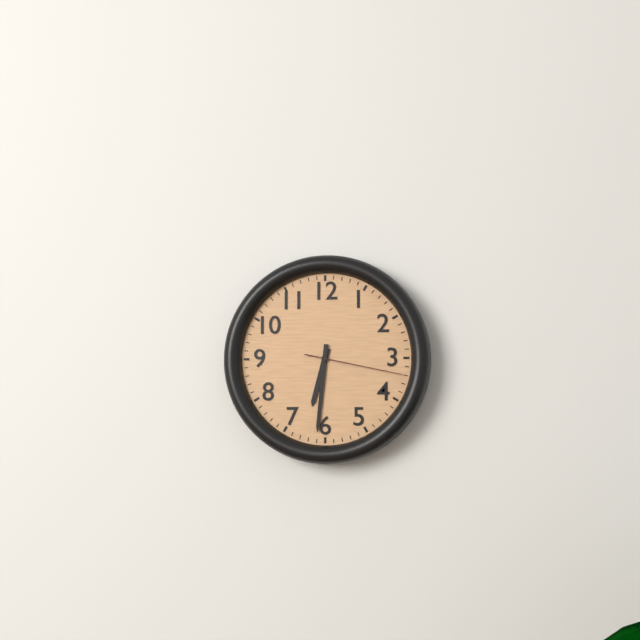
6 h 31 min 17 s
